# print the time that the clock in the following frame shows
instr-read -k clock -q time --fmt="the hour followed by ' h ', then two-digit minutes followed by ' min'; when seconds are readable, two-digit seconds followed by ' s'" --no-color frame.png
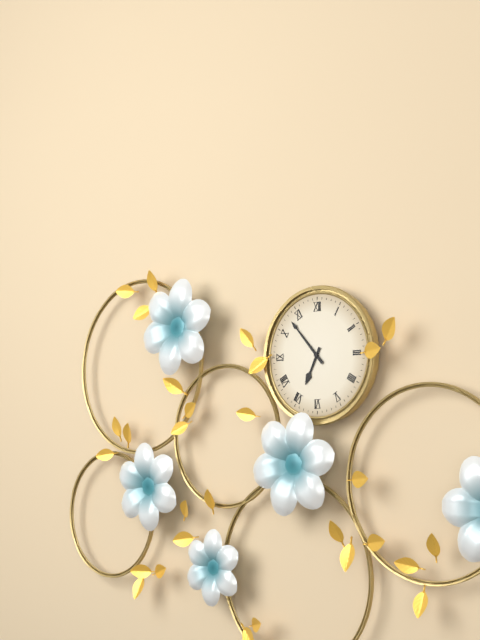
6 h 53 min
